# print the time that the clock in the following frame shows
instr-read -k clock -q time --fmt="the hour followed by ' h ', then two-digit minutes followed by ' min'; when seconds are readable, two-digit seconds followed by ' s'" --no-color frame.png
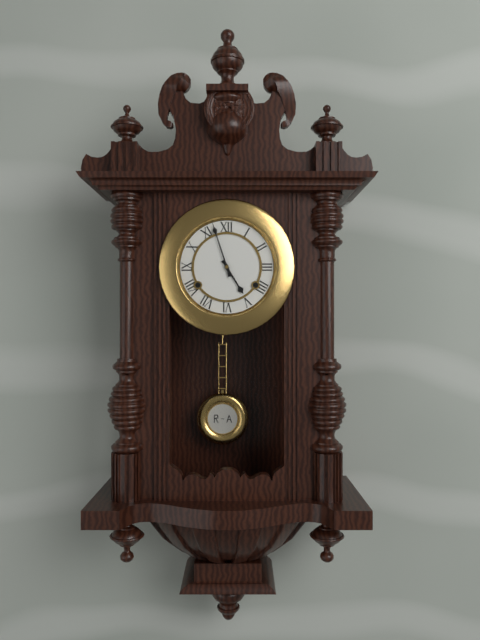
4 h 57 min
